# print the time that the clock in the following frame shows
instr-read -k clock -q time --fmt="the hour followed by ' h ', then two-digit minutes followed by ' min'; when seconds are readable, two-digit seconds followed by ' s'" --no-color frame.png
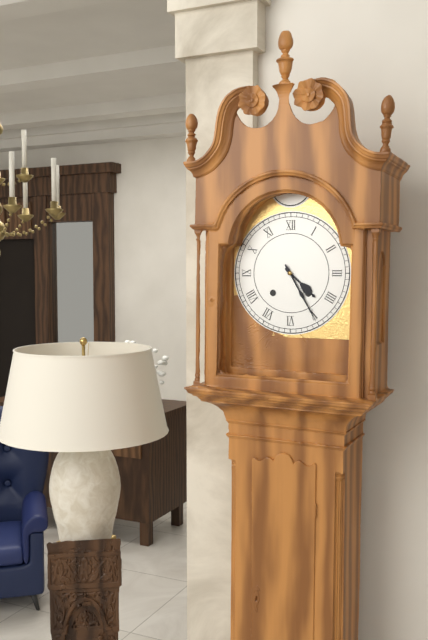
4 h 25 min
